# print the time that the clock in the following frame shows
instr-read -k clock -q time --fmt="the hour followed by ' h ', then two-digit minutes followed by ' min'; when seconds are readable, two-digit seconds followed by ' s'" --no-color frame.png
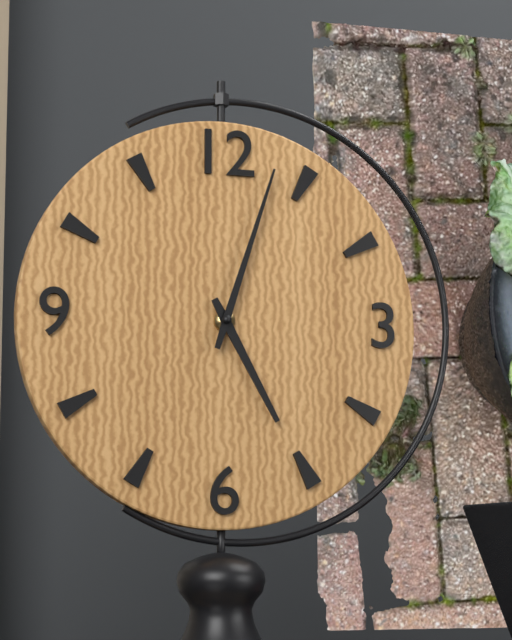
5 h 03 min
